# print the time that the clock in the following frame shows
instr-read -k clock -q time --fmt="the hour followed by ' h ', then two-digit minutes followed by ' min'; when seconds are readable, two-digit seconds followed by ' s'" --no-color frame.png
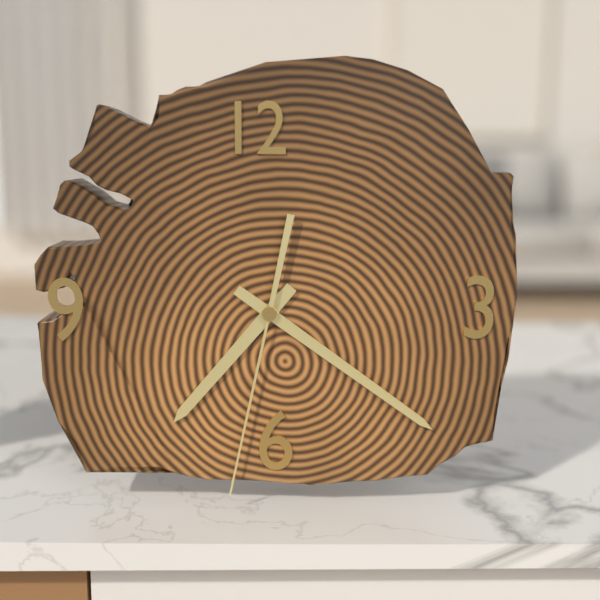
7 h 21 min 32 s
